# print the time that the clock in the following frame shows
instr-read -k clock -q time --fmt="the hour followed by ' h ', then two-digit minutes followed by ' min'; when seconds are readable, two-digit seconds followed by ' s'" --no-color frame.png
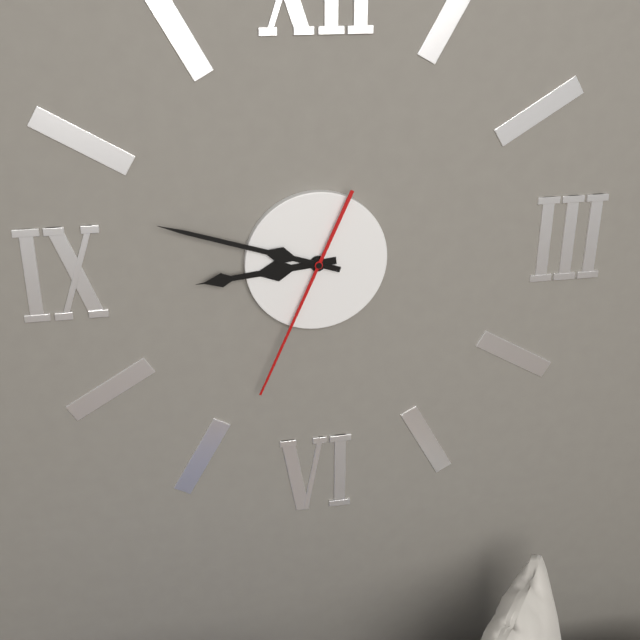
8 h 48 min 34 s
